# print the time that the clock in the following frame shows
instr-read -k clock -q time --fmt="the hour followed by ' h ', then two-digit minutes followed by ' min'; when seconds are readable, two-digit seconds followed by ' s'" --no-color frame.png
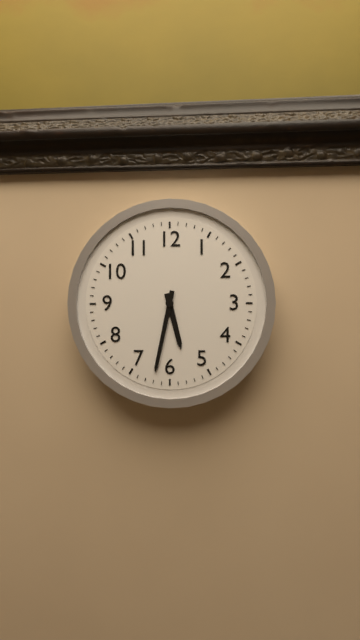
5 h 32 min
